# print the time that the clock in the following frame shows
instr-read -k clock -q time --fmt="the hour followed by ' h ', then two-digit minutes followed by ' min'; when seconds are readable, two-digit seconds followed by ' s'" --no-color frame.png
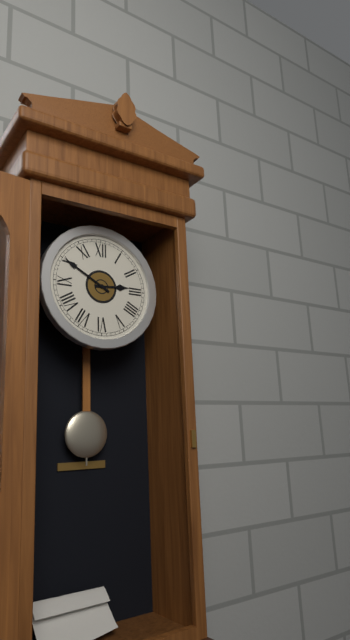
2 h 50 min
